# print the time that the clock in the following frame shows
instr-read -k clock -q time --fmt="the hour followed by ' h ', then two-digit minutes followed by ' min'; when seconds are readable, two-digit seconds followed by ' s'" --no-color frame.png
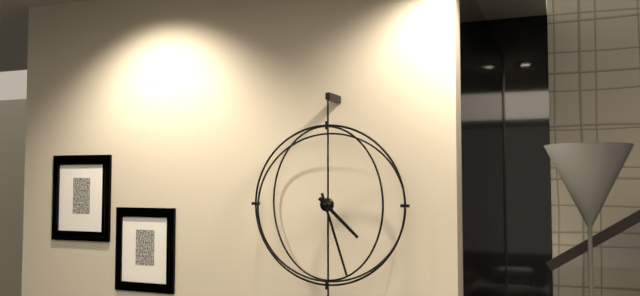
4 h 27 min
